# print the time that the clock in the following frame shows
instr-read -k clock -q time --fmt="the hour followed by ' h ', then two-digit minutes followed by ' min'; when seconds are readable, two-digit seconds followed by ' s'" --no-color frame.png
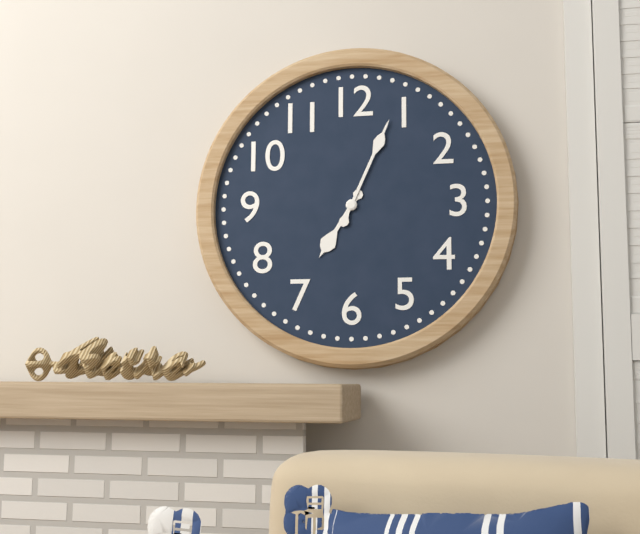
7 h 04 min
